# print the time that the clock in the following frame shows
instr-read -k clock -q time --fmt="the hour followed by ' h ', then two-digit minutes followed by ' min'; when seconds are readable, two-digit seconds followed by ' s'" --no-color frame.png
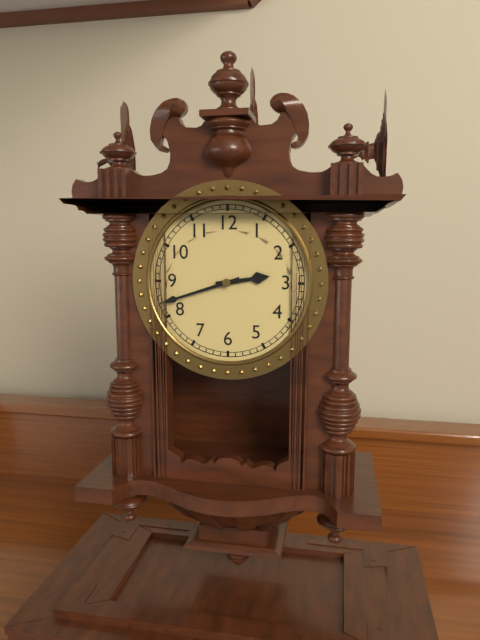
2 h 42 min
